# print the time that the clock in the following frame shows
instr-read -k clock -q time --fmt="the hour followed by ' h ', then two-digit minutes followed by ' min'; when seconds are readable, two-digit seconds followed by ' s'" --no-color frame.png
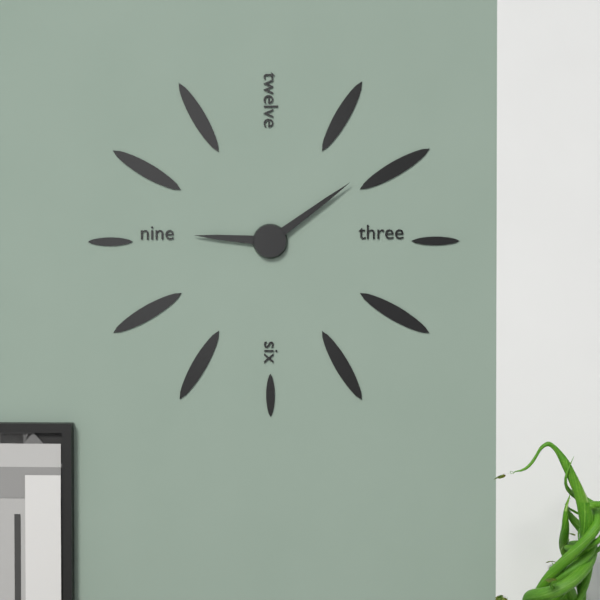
9 h 09 min
